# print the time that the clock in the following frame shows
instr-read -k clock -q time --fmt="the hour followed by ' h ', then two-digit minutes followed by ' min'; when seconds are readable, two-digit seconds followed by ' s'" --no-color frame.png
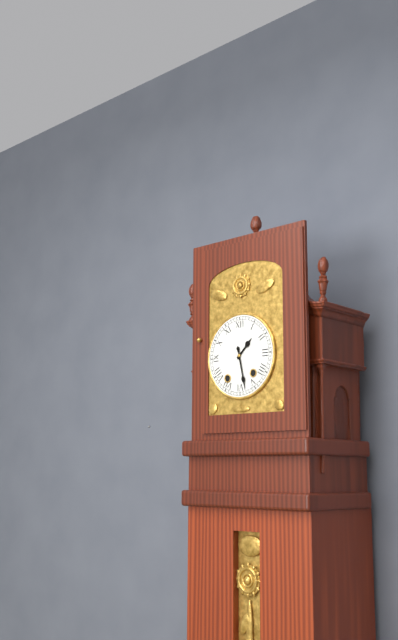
1 h 28 min
